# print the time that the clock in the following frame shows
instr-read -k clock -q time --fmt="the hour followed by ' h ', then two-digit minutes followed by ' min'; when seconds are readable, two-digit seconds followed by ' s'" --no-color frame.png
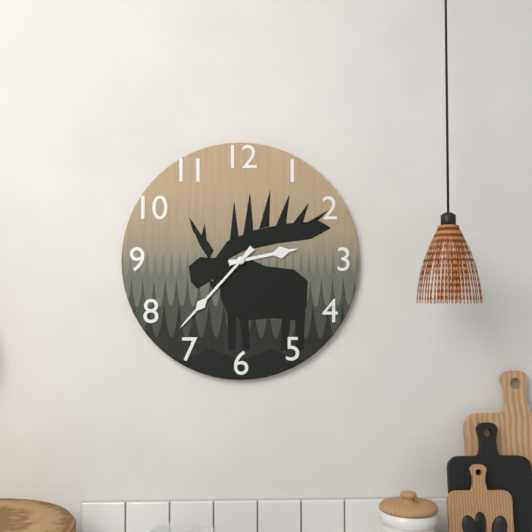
2 h 37 min
